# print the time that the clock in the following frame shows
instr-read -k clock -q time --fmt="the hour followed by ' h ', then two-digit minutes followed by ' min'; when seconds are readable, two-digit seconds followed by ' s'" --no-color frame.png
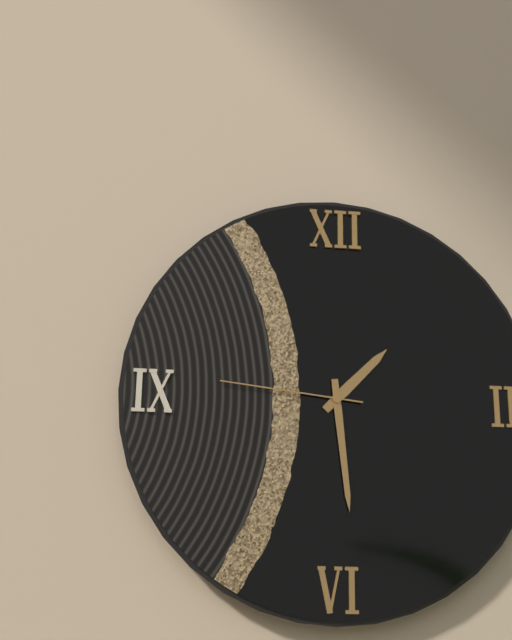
1 h 29 min 46 s
